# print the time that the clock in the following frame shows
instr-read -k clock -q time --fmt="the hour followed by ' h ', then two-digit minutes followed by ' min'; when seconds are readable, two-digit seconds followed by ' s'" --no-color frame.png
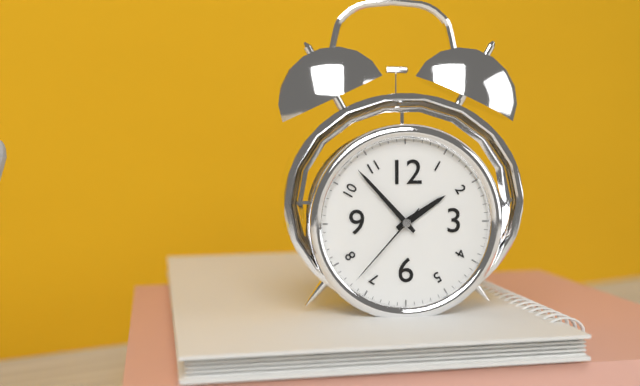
1 h 53 min 37 s
